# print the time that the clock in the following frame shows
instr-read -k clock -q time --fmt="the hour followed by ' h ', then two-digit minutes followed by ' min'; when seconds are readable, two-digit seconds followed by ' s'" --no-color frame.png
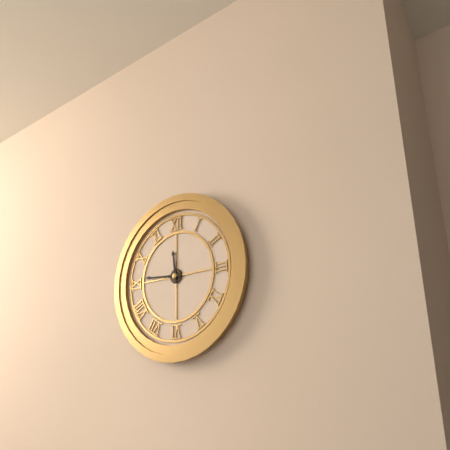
11 h 46 min
